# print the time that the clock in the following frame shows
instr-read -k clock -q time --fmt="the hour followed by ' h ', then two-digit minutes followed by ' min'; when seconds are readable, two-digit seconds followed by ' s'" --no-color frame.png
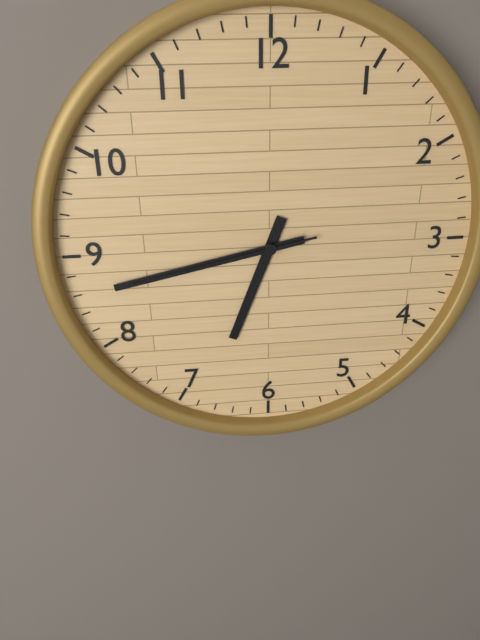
6 h 43 min 43 s
